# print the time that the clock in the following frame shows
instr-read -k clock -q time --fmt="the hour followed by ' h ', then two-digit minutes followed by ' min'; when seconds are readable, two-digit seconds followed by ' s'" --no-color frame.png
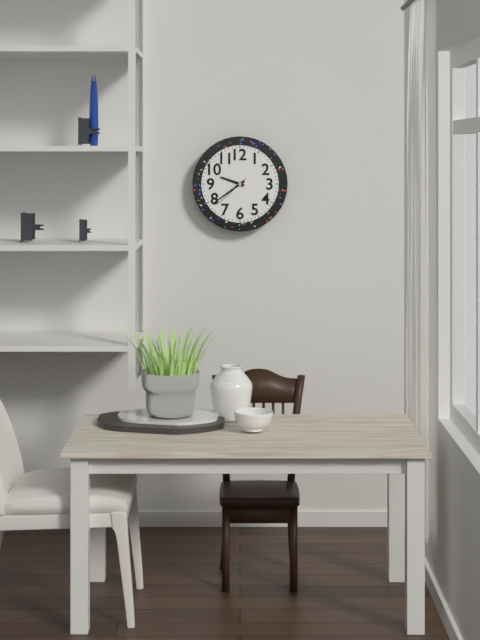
9 h 39 min
